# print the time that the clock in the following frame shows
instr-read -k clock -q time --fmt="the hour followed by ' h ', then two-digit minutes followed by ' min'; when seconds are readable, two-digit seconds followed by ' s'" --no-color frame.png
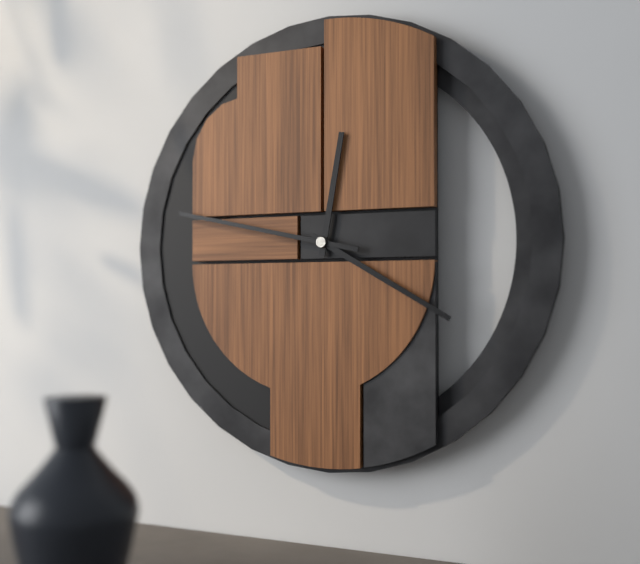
12 h 20 min 47 s
